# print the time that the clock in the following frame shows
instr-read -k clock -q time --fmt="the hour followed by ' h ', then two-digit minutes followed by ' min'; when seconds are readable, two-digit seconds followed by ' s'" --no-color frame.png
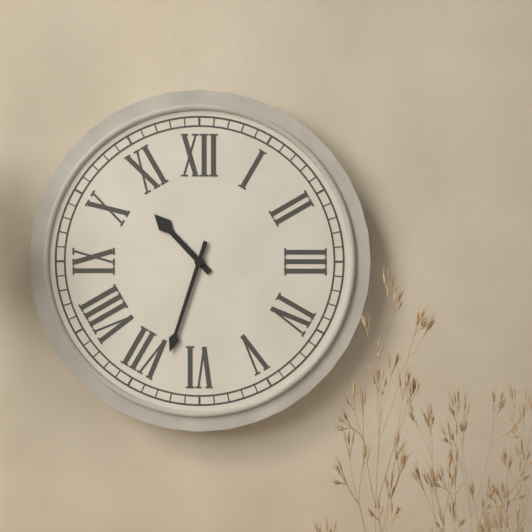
10 h 33 min
